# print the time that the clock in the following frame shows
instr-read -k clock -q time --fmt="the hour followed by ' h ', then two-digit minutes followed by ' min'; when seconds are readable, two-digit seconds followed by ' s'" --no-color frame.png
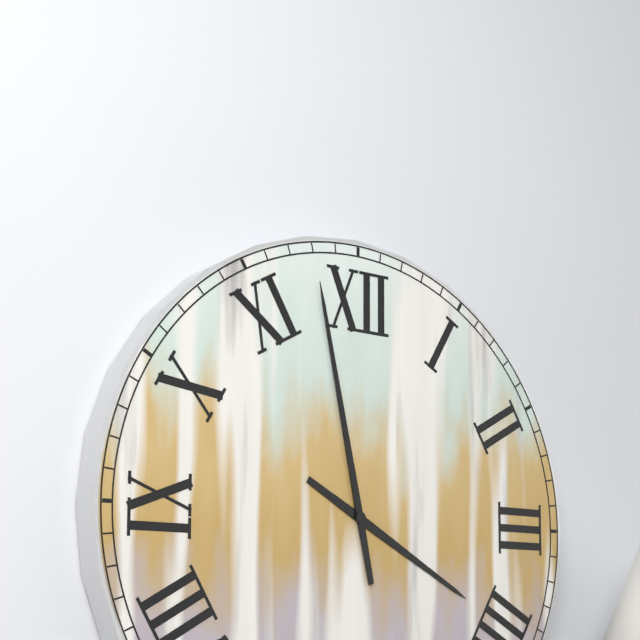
3 h 58 min
